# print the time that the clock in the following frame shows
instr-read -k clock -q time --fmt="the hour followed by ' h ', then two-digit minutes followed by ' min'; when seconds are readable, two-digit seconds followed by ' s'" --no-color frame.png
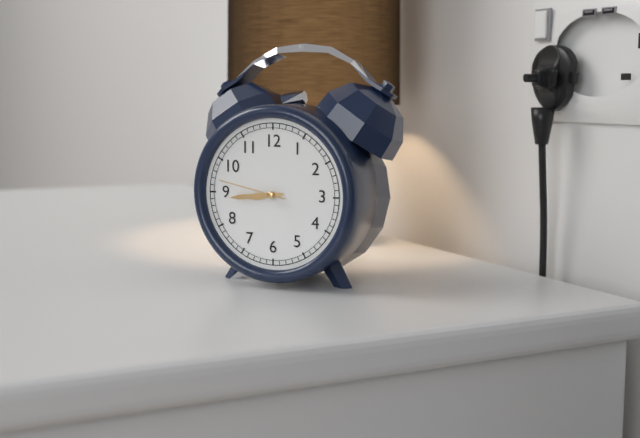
8 h 44 min 47 s
